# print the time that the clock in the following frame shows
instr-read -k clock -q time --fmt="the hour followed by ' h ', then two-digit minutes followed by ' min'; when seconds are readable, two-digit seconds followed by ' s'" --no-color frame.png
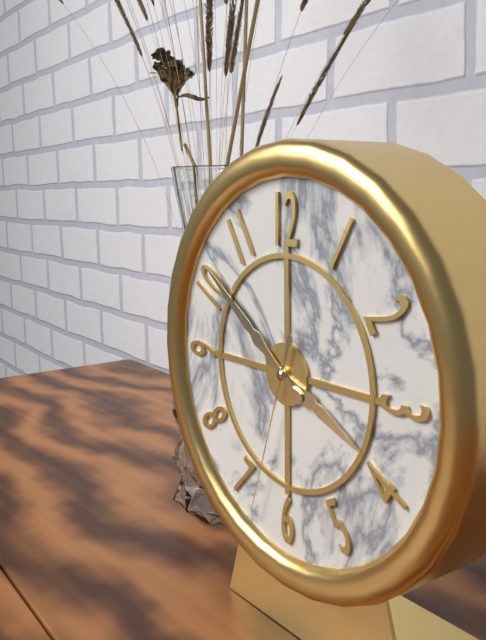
3 h 51 min 33 s
